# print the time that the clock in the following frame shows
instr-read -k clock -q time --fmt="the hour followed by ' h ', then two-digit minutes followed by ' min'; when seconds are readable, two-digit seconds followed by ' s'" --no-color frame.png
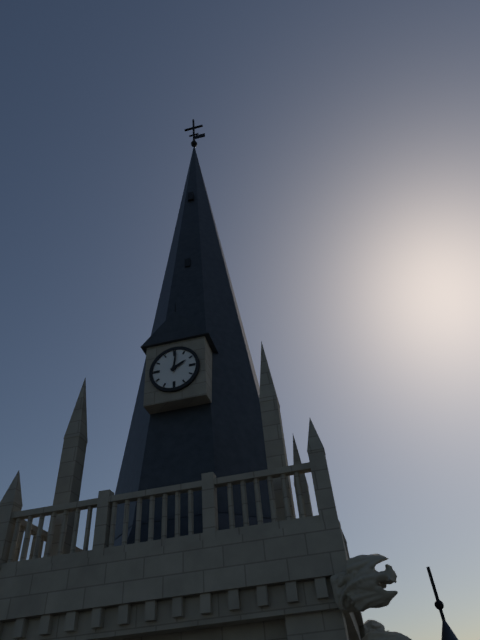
2 h 01 min
